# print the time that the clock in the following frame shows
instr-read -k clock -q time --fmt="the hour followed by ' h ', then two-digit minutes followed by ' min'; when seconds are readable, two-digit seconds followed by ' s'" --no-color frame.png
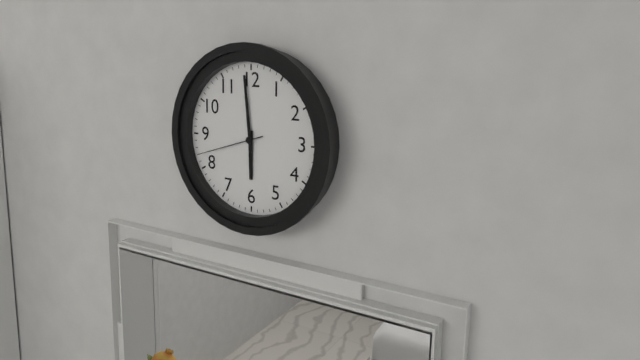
5 h 59 min 42 s
